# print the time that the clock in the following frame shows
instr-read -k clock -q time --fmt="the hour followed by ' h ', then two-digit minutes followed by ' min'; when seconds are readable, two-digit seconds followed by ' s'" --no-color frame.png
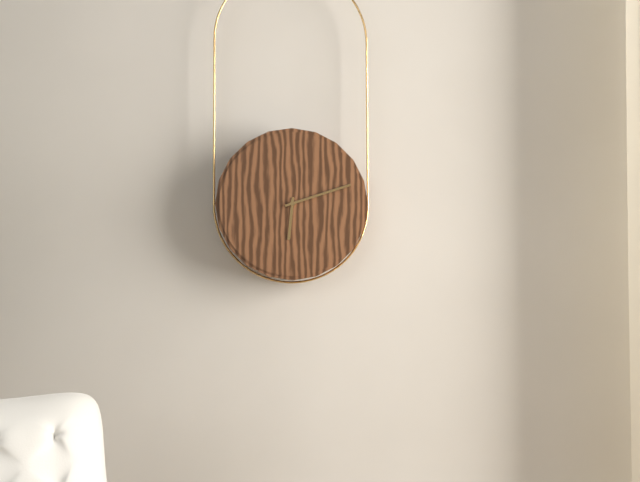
6 h 12 min
